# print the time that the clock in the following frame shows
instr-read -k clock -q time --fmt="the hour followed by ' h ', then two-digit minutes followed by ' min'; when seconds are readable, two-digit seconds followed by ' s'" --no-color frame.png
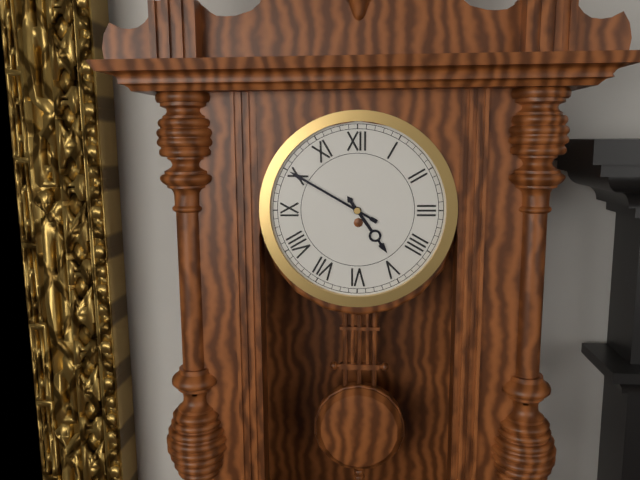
4 h 50 min
